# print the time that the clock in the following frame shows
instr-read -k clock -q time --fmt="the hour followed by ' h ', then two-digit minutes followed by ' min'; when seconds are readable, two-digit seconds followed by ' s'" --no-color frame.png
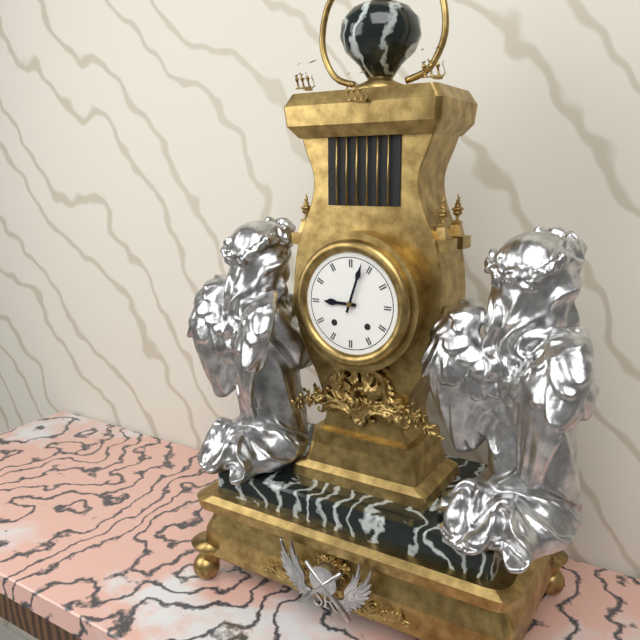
9 h 03 min
